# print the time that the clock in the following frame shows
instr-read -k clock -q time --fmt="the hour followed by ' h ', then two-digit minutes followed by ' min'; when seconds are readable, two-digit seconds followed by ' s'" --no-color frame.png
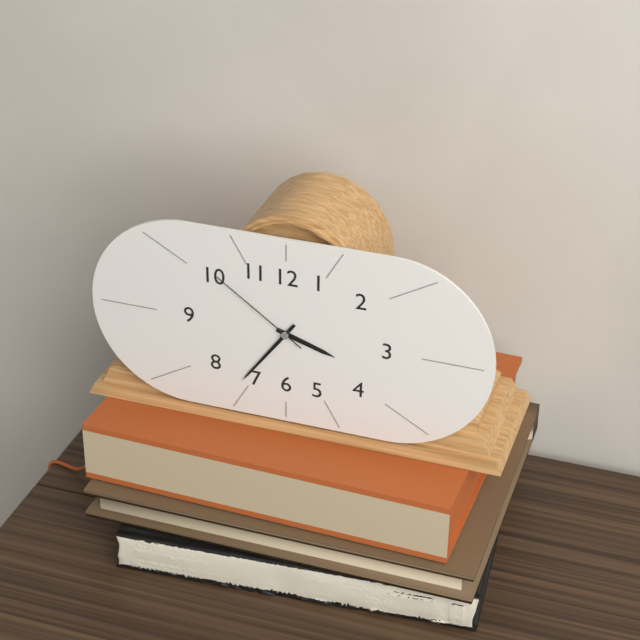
3 h 36 min 51 s
